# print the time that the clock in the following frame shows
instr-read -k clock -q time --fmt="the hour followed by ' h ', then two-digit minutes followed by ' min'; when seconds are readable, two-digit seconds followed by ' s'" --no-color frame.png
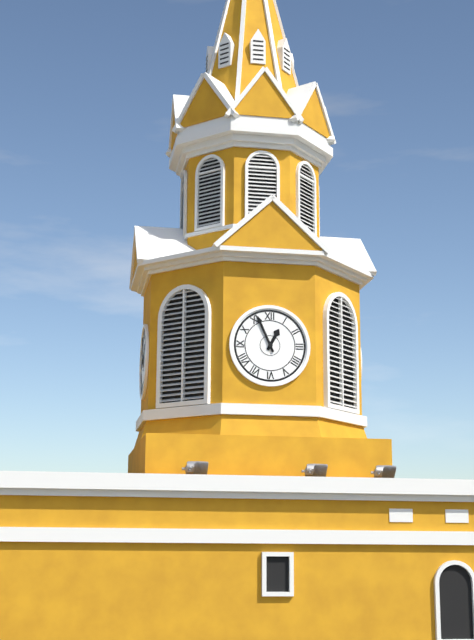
12 h 56 min
